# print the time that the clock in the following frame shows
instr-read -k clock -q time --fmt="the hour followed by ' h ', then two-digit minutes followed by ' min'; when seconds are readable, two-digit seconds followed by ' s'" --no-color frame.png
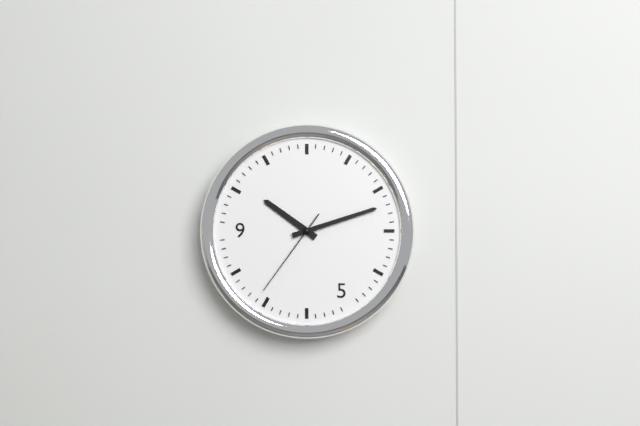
10 h 12 min 36 s
